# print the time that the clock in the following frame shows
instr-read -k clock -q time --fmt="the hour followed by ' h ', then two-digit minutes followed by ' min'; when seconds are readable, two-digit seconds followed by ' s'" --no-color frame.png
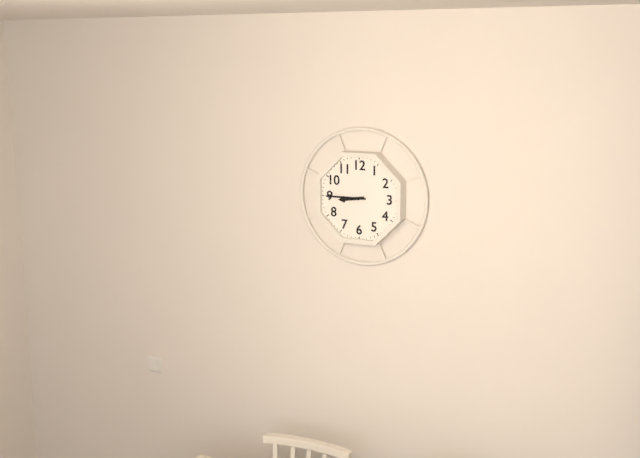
8 h 45 min
